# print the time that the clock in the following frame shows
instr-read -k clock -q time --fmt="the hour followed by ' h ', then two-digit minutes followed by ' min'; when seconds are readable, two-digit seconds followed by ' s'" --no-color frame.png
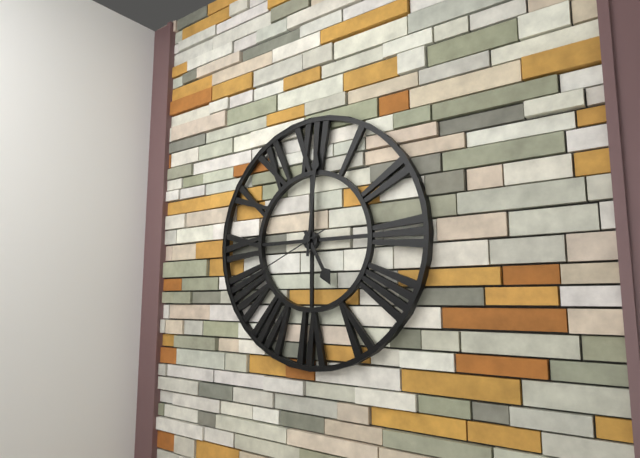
5 h 01 min 41 s
